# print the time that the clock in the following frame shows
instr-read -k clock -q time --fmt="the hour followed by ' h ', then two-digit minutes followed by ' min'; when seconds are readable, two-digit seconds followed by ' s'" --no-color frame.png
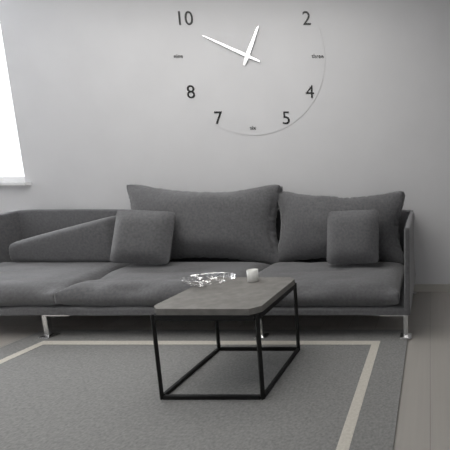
12 h 49 min
